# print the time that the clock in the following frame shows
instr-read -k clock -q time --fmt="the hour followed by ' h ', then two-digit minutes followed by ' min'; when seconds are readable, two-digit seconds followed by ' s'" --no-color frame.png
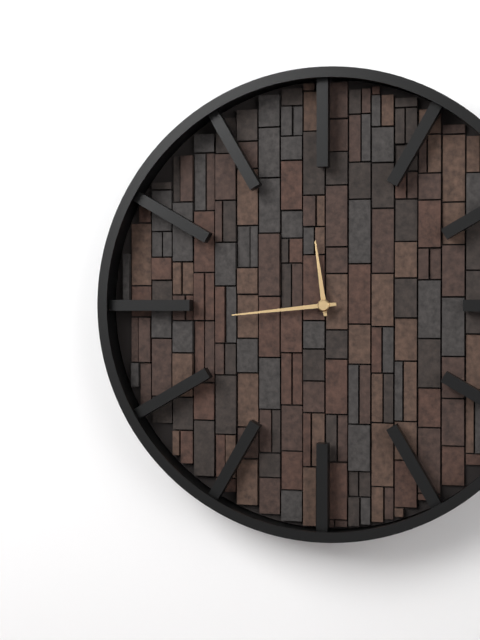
11 h 44 min
